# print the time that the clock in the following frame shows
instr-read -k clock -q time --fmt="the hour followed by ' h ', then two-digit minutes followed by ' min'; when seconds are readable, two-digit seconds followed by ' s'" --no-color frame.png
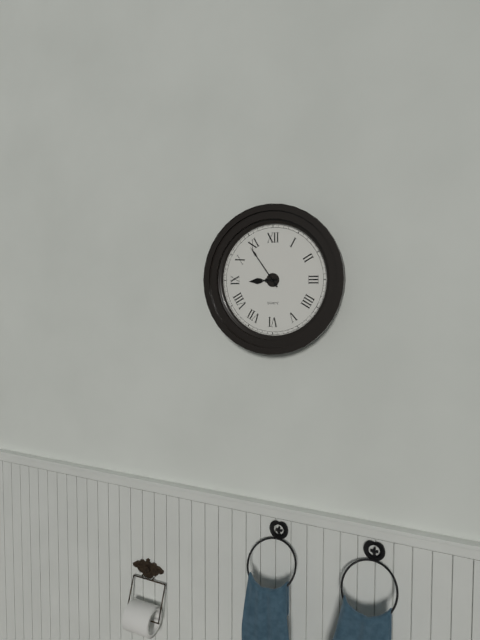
8 h 54 min
